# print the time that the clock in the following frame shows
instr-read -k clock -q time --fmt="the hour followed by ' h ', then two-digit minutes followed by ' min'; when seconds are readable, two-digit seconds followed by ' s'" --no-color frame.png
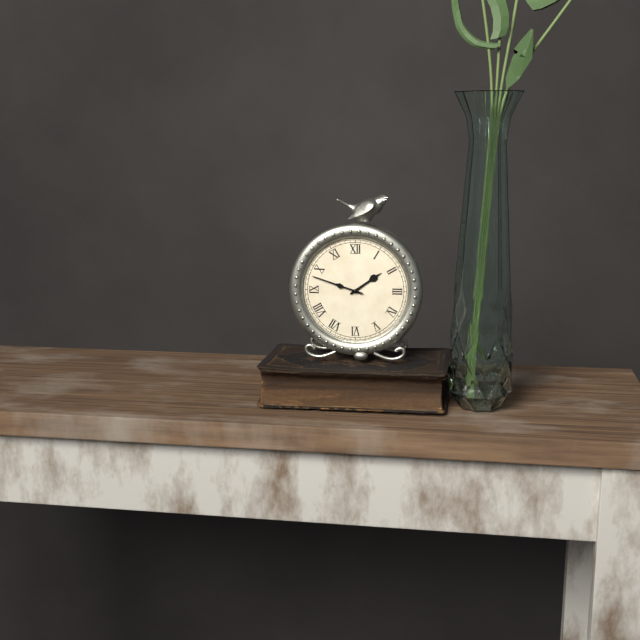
1 h 48 min
